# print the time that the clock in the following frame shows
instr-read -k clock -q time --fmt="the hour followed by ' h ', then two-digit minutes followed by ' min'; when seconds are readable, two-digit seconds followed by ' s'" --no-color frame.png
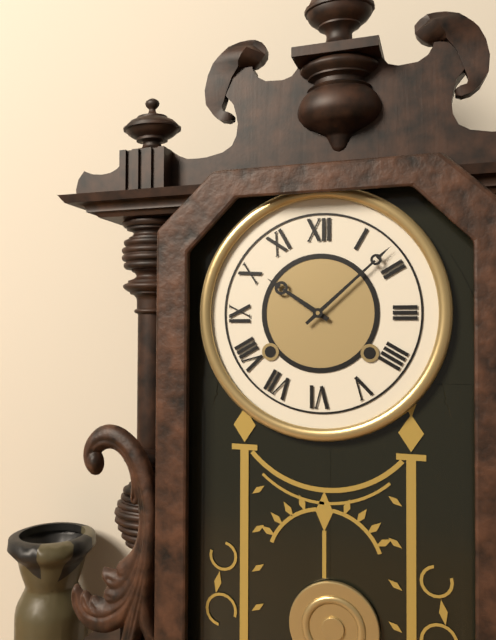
10 h 08 min
